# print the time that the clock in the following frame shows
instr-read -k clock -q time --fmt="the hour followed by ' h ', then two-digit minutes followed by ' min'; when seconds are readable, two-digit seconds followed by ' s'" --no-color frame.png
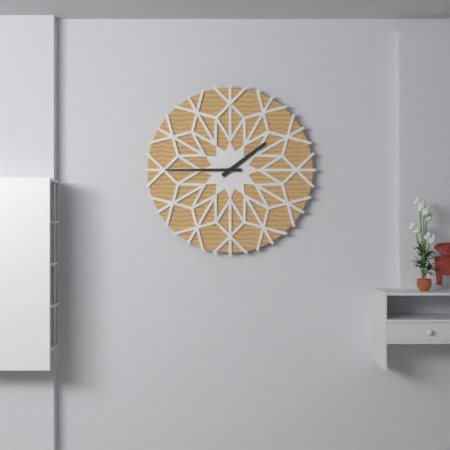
1 h 45 min
